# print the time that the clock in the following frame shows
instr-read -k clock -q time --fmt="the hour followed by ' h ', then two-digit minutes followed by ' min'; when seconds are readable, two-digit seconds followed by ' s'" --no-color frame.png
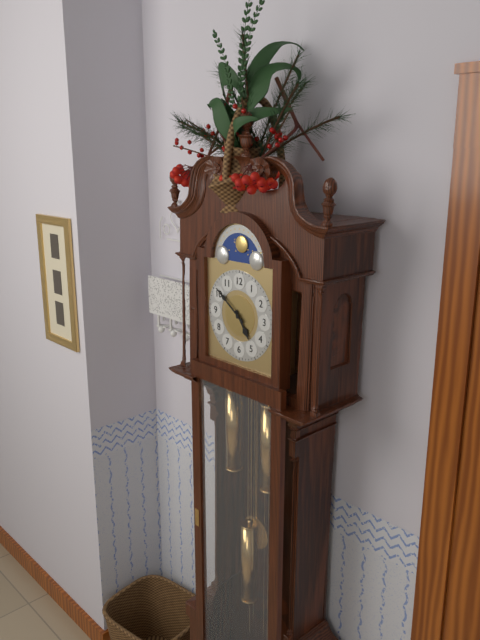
4 h 51 min
